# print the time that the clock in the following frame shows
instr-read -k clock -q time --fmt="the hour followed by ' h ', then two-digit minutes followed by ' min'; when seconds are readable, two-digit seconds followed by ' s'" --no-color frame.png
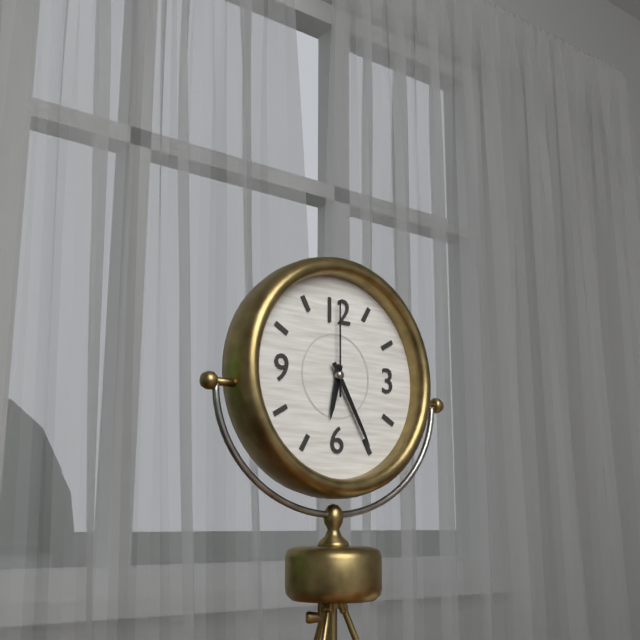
6 h 25 min 00 s
